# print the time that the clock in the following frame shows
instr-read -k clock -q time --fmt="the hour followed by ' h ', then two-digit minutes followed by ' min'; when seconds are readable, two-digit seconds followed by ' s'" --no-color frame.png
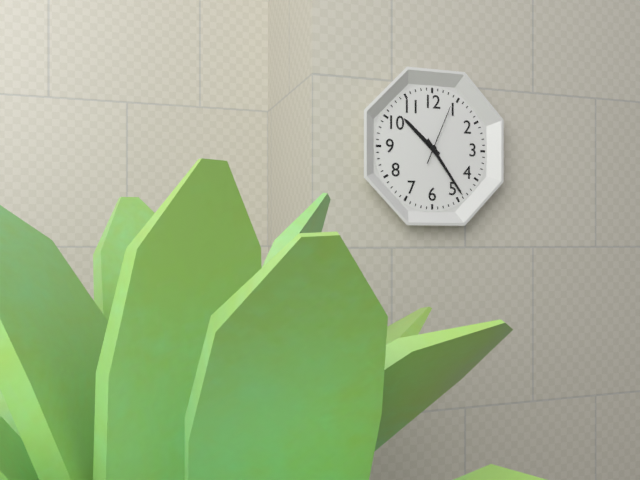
10 h 24 min 04 s
